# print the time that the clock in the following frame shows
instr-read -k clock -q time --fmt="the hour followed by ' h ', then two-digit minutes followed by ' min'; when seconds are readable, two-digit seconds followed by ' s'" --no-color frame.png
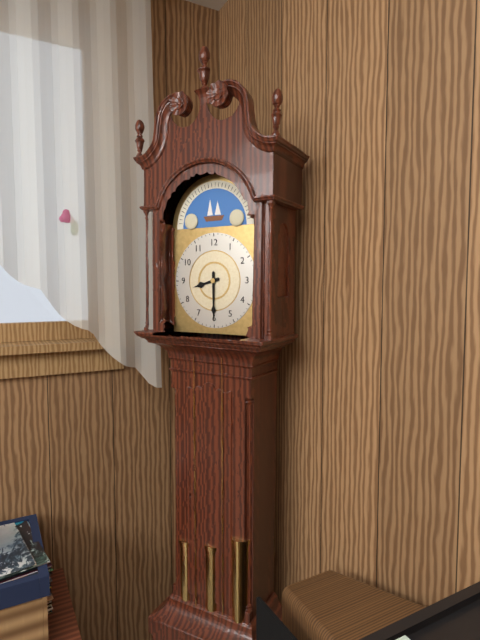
8 h 30 min
